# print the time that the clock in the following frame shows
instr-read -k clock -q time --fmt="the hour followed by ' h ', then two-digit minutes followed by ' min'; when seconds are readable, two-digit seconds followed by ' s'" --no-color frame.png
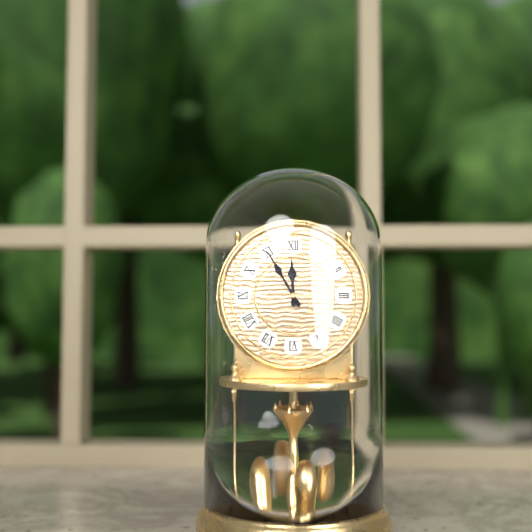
11 h 55 min
